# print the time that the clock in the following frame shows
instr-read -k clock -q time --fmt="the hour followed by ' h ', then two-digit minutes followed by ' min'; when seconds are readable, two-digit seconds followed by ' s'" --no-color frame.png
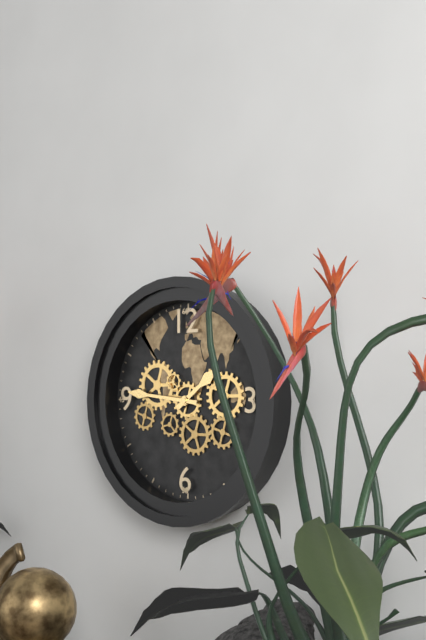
1 h 46 min
